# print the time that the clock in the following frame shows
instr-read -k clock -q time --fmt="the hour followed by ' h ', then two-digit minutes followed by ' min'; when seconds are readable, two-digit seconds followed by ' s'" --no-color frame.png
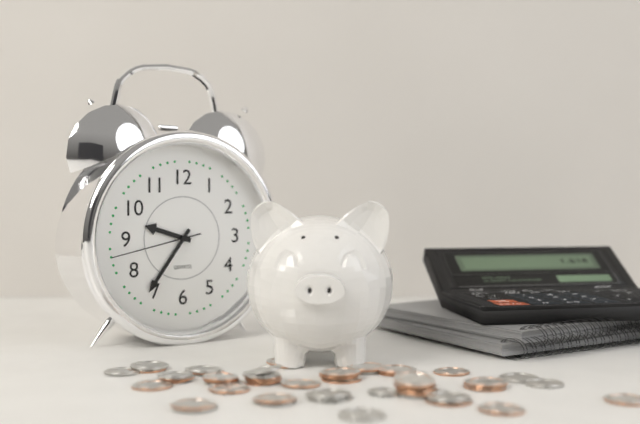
9 h 36 min 43 s
